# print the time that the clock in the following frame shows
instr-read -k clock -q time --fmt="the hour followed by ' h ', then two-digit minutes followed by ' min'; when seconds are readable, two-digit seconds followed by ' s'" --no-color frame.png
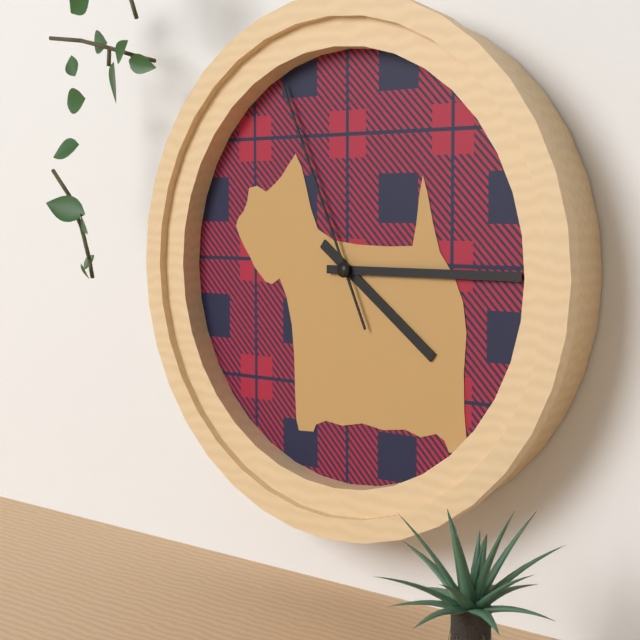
4 h 15 min 56 s
